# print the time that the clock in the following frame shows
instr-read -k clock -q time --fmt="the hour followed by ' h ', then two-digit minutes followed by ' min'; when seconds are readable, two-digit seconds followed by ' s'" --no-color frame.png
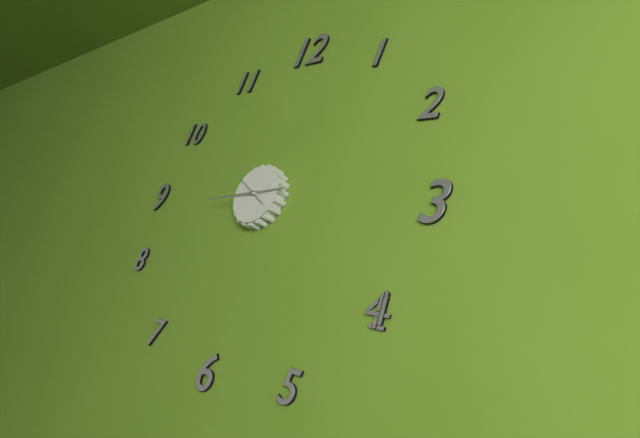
2 h 44 min
